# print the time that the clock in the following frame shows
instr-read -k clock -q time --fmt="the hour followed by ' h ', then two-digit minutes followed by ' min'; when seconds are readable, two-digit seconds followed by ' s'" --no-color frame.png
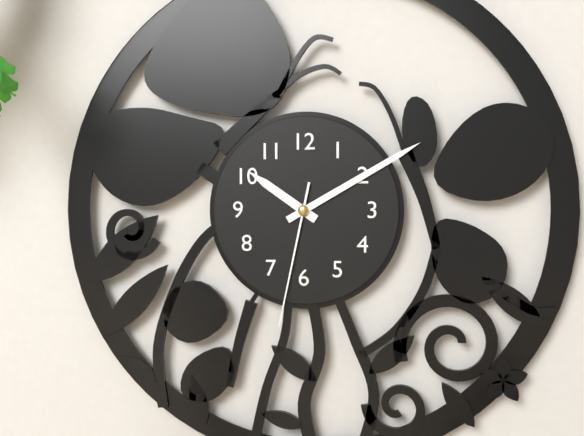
10 h 10 min 32 s
